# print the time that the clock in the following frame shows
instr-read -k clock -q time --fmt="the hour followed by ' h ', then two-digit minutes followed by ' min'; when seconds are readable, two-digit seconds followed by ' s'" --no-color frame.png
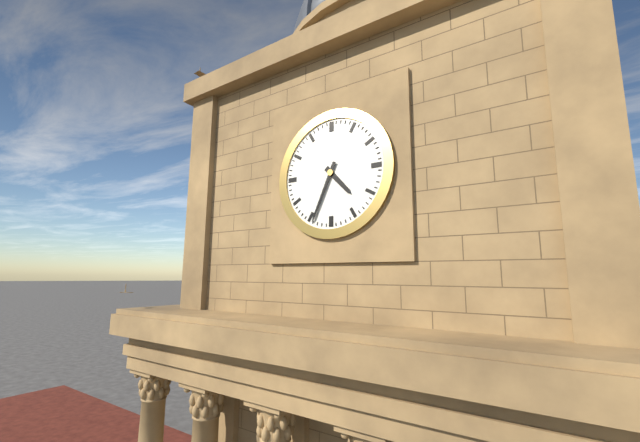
4 h 34 min
